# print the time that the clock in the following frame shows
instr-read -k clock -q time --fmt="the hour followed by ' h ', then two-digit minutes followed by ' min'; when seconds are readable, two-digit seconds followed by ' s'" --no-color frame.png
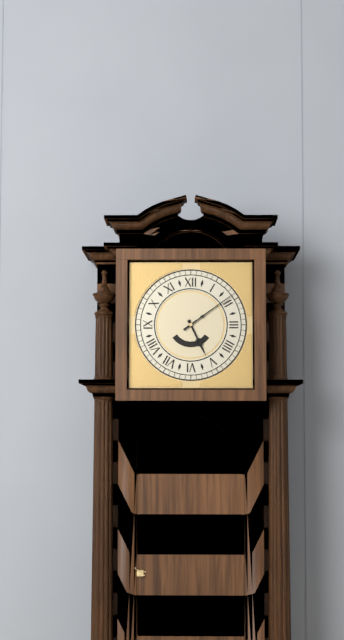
5 h 09 min
